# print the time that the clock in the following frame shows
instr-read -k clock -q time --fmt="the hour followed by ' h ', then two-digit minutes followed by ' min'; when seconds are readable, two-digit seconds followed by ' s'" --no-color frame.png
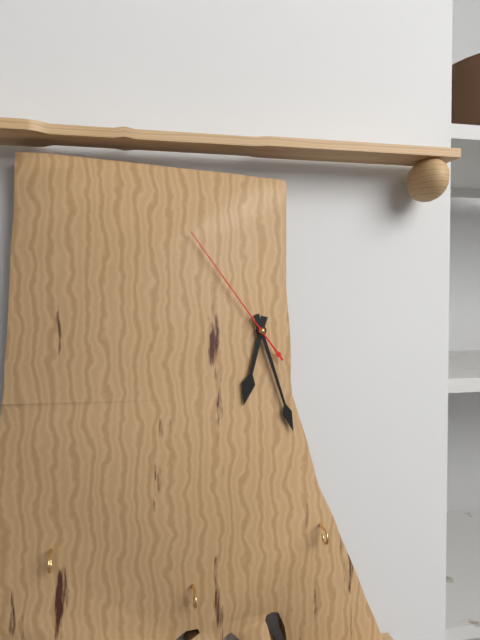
6 h 27 min 54 s
